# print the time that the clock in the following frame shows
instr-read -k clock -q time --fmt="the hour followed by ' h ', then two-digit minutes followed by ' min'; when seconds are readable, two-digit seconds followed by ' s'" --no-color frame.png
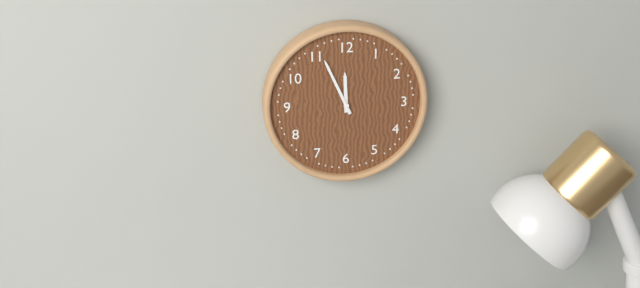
11 h 56 min
